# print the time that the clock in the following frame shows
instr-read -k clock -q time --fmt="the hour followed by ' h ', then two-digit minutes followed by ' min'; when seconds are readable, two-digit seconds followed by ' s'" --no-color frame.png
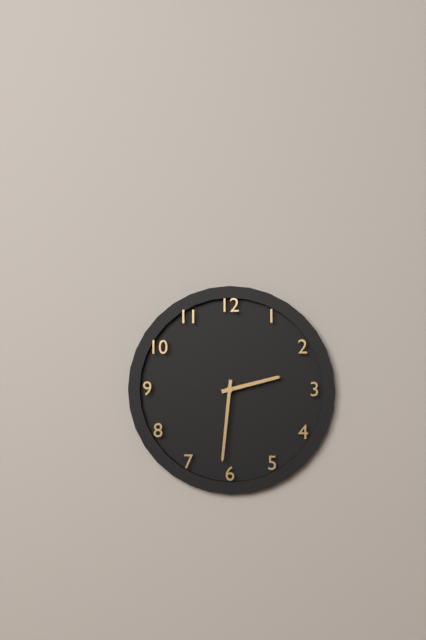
2 h 31 min
